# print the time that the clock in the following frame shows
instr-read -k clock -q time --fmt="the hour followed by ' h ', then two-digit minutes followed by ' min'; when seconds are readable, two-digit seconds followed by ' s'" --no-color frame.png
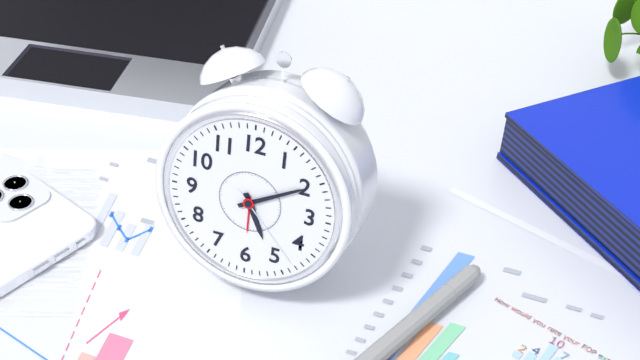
5 h 10 min 23 s
